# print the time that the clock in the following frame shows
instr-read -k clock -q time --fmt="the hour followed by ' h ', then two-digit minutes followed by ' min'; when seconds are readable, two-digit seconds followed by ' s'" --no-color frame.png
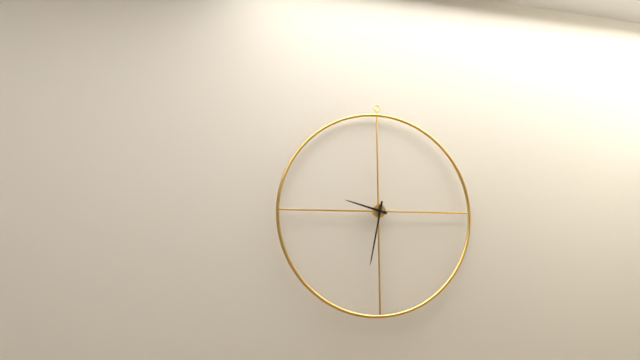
9 h 32 min
